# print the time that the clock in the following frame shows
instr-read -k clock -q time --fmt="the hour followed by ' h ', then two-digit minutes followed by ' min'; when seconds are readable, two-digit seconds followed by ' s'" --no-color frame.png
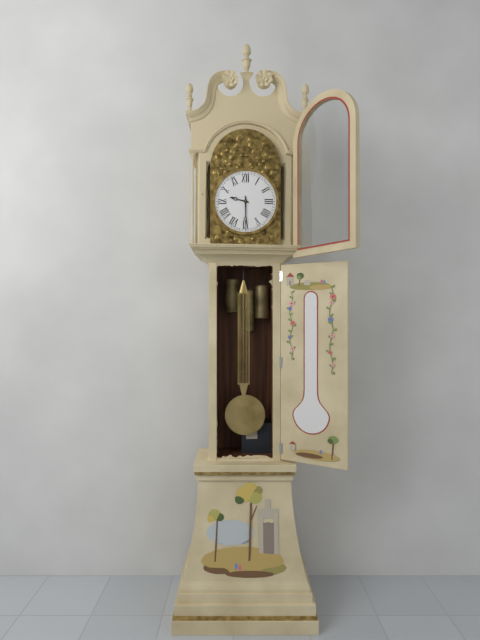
9 h 30 min
